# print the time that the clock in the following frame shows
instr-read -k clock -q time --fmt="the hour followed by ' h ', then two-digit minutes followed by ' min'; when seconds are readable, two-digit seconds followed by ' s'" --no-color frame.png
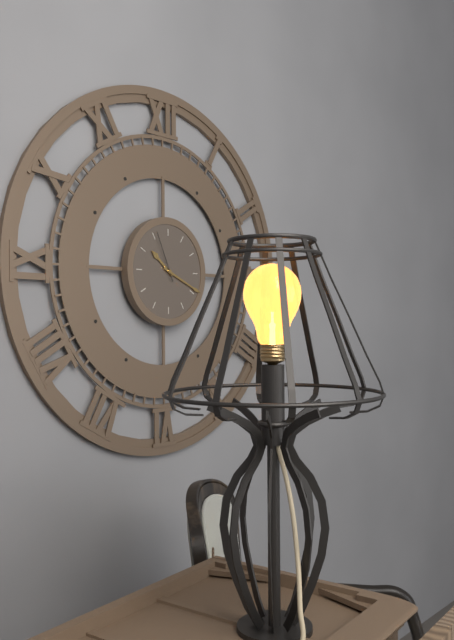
10 h 19 min 56 s
